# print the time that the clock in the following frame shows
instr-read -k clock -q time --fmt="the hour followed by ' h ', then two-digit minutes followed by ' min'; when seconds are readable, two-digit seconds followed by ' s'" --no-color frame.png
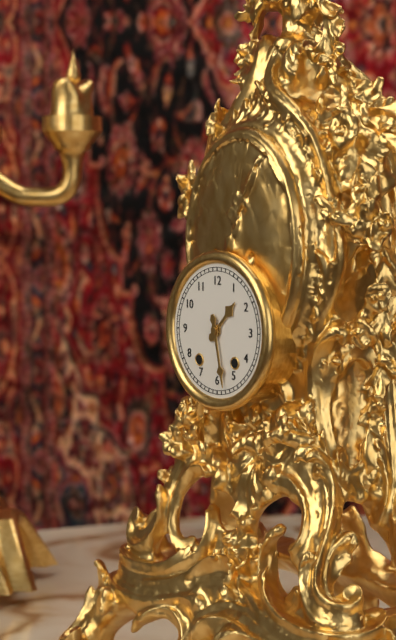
1 h 28 min
